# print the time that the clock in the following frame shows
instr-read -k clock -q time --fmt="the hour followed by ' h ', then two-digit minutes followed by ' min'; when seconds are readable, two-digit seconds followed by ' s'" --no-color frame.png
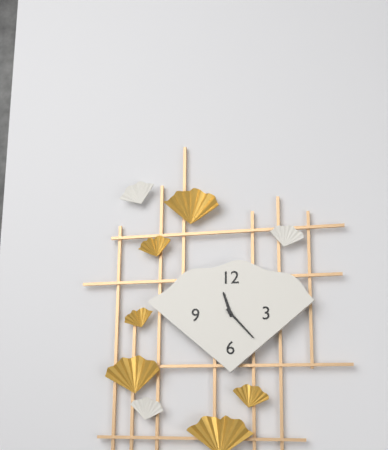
11 h 23 min
